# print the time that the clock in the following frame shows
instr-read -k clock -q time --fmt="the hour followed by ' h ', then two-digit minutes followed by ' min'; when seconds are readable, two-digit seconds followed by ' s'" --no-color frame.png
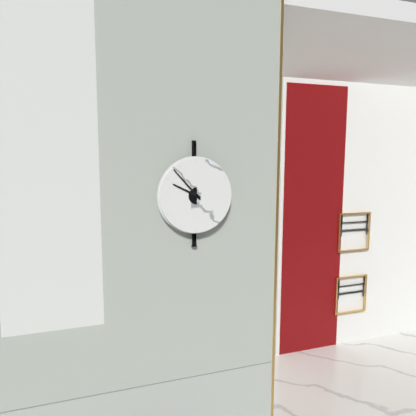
9 h 53 min
